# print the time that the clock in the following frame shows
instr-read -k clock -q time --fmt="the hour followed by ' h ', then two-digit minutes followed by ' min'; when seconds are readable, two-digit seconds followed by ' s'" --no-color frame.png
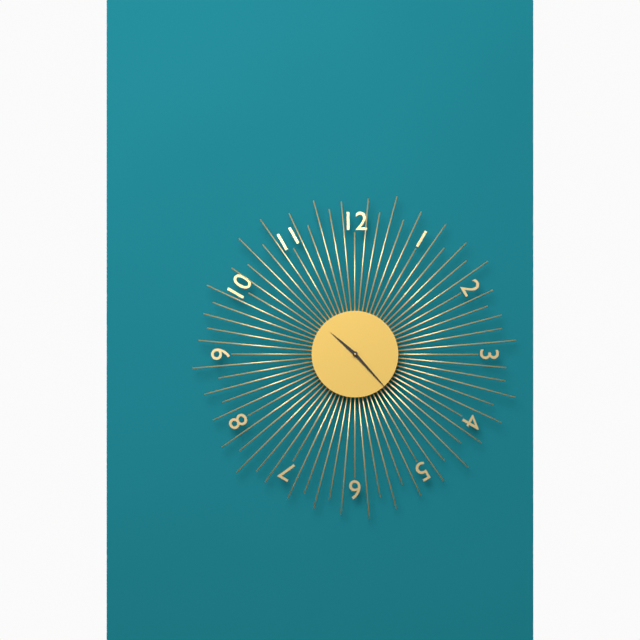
10 h 23 min
